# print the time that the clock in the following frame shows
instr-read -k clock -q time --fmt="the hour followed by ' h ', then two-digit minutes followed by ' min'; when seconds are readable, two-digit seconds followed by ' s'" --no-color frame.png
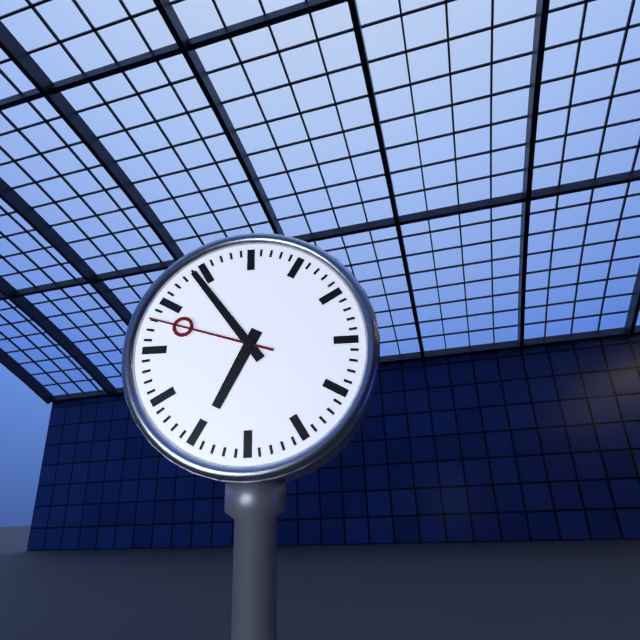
6 h 54 min 48 s
